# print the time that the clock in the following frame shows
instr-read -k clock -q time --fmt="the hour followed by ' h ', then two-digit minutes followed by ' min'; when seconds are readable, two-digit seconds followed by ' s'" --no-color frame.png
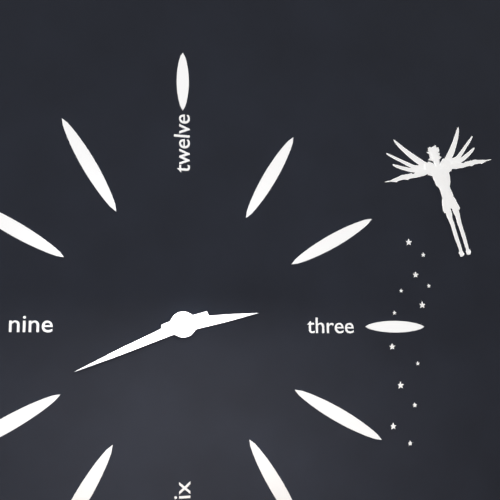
2 h 41 min
